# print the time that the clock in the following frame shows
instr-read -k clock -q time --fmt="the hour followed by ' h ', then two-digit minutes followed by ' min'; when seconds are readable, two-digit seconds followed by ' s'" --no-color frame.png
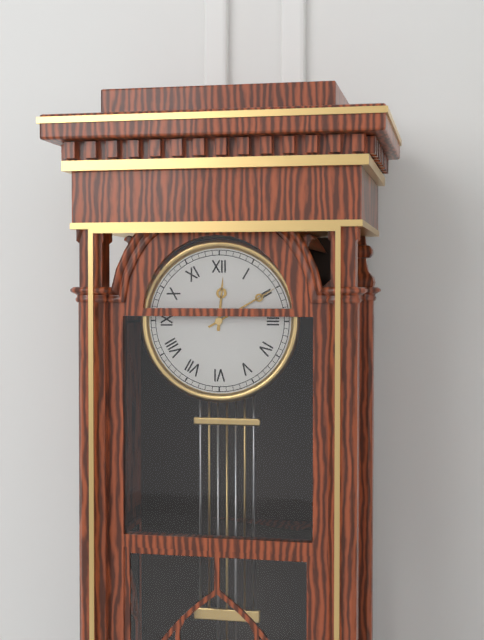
12 h 10 min
